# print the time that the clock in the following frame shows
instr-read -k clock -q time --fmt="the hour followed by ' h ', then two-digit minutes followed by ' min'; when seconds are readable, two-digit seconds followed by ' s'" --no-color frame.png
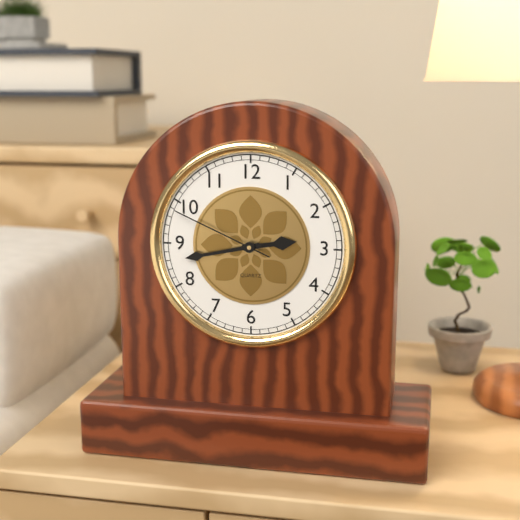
2 h 43 min 49 s
